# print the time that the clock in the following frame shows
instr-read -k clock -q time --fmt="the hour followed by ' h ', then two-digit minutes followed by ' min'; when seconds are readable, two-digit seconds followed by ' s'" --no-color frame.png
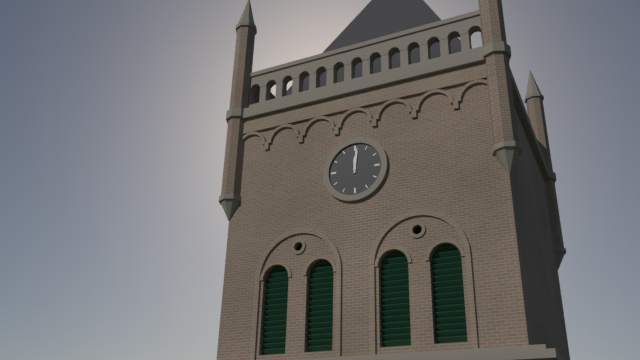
12 h 01 min
